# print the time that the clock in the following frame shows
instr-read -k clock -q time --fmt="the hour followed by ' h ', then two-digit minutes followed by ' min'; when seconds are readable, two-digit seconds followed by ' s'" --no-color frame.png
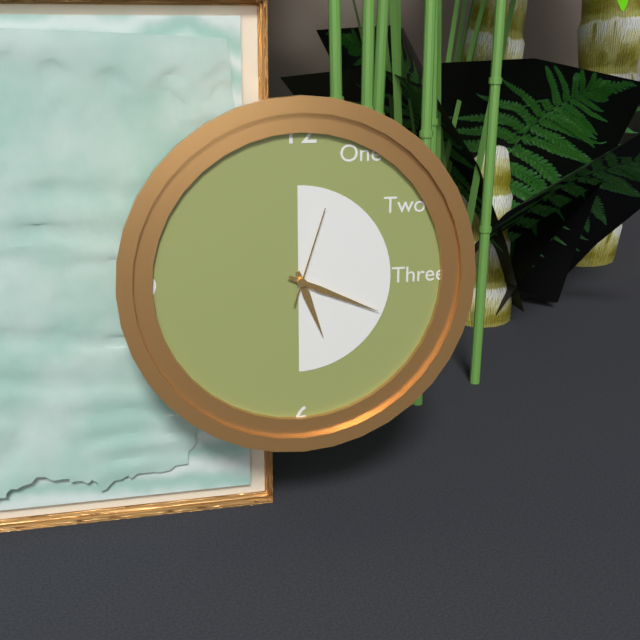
5 h 19 min 03 s
